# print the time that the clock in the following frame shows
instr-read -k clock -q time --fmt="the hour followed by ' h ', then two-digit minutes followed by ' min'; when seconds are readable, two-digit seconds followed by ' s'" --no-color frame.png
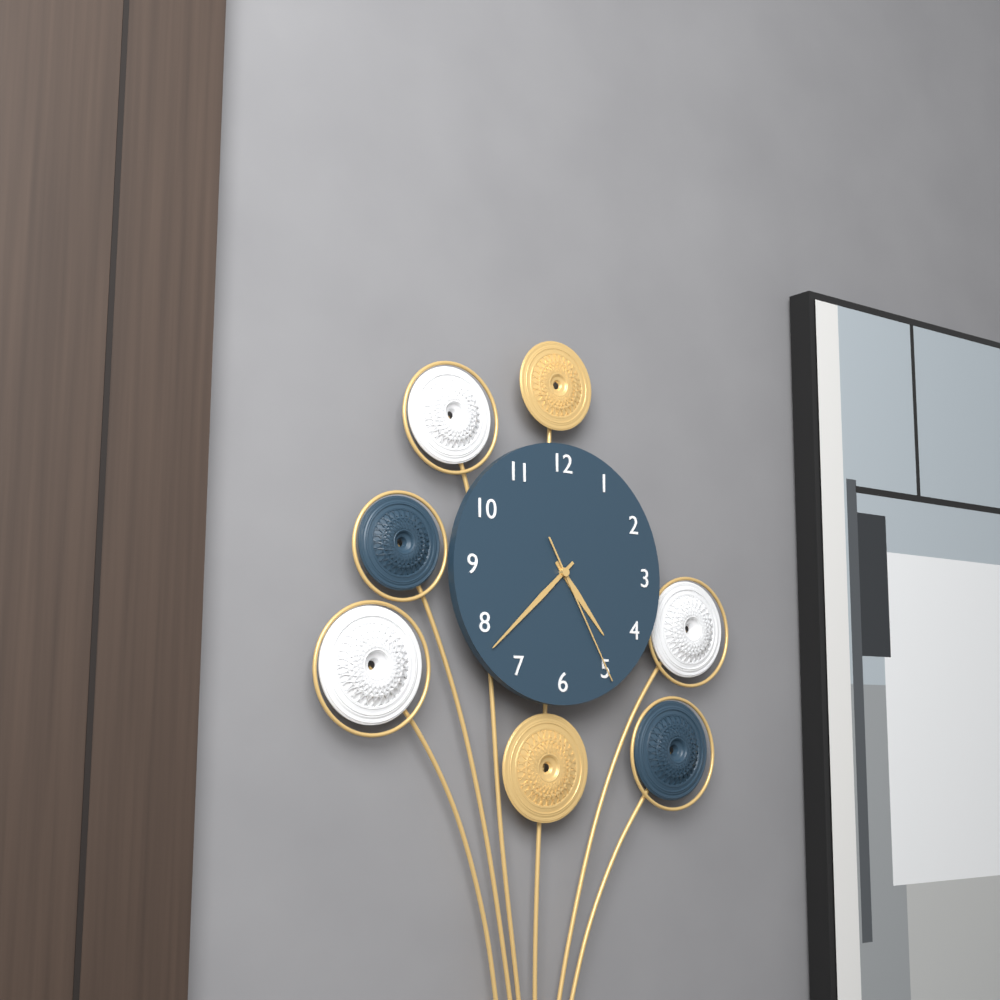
4 h 38 min 25 s
